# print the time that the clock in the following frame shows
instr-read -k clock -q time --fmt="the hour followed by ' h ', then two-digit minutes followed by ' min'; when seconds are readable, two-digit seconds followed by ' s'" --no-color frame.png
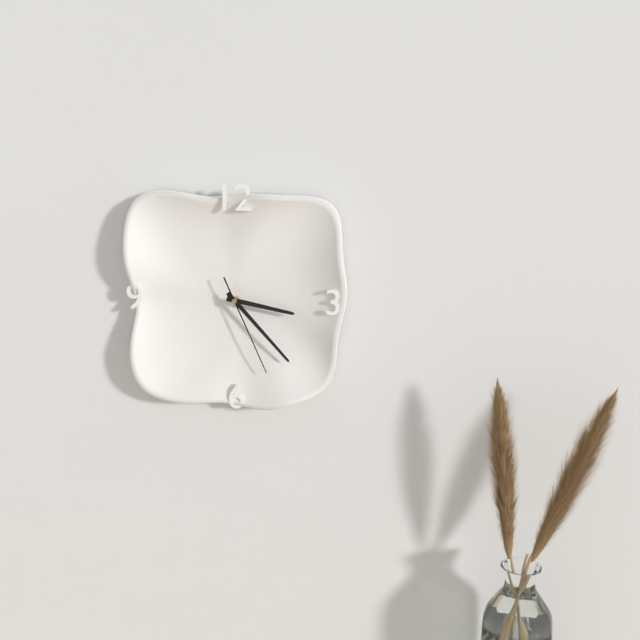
3 h 23 min 26 s
